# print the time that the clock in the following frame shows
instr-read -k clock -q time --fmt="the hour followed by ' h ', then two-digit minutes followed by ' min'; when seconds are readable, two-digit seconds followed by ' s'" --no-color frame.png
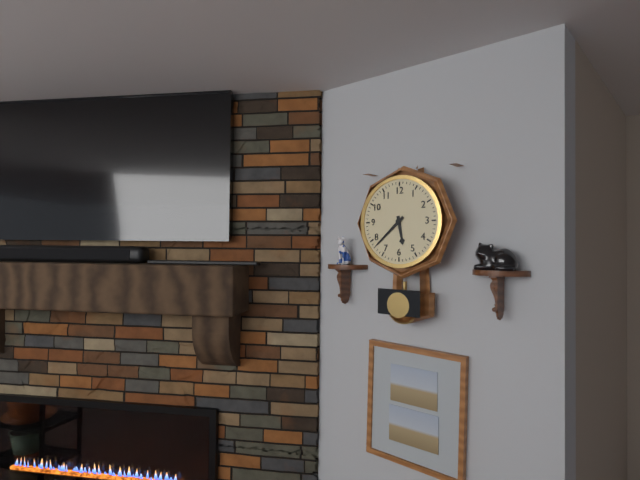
5 h 38 min
